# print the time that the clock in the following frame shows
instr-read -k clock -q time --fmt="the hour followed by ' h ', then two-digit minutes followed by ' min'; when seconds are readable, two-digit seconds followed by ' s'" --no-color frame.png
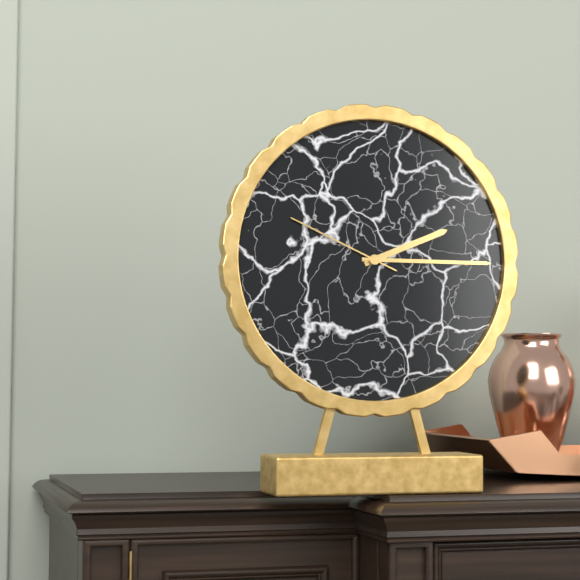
2 h 15 min 49 s
